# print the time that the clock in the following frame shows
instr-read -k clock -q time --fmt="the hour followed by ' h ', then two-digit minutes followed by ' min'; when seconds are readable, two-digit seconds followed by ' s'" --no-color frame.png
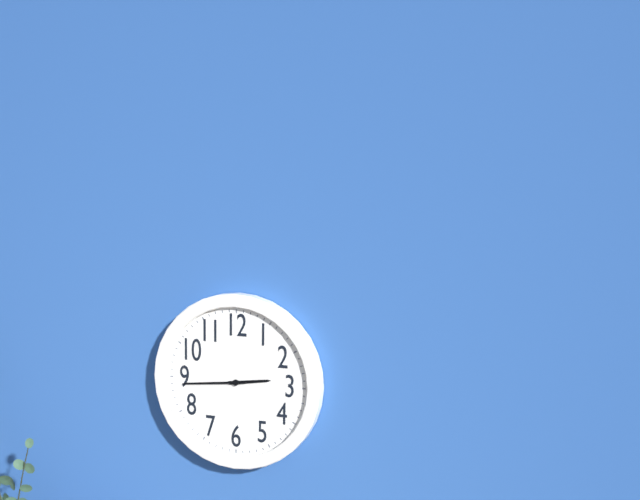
2 h 44 min
